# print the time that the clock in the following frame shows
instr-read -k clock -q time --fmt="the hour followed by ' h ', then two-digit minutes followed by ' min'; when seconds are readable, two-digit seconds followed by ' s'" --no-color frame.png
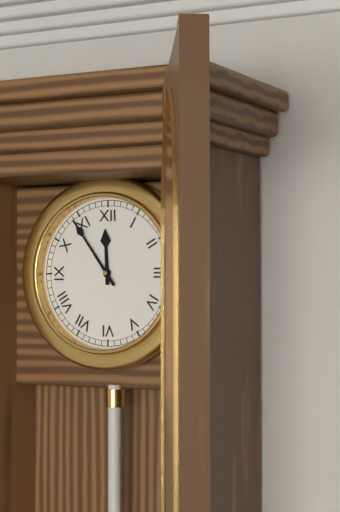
11 h 54 min
